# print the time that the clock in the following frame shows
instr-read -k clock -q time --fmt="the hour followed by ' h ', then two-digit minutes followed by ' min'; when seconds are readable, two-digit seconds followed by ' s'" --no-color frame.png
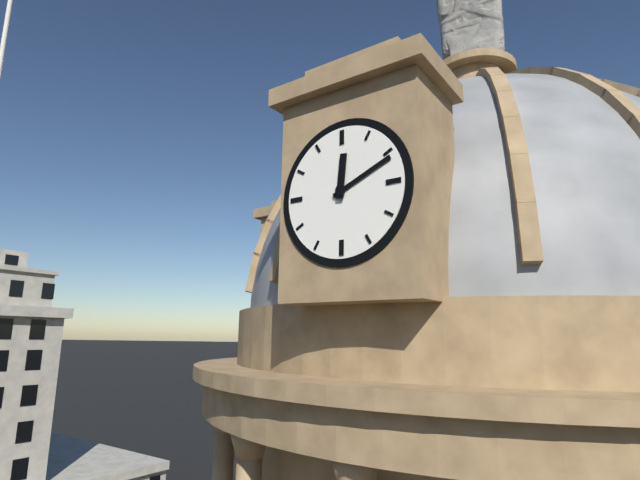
12 h 11 min
